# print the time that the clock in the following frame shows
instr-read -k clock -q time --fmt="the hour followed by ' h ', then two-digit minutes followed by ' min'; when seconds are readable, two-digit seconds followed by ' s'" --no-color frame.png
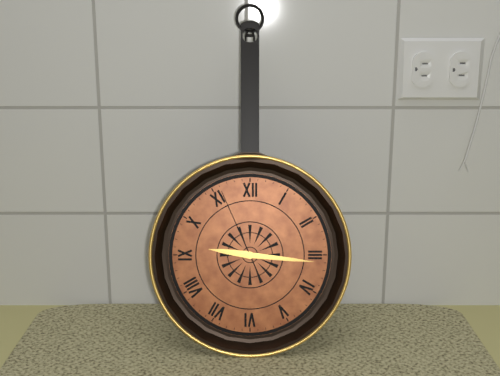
9 h 16 min 56 s
